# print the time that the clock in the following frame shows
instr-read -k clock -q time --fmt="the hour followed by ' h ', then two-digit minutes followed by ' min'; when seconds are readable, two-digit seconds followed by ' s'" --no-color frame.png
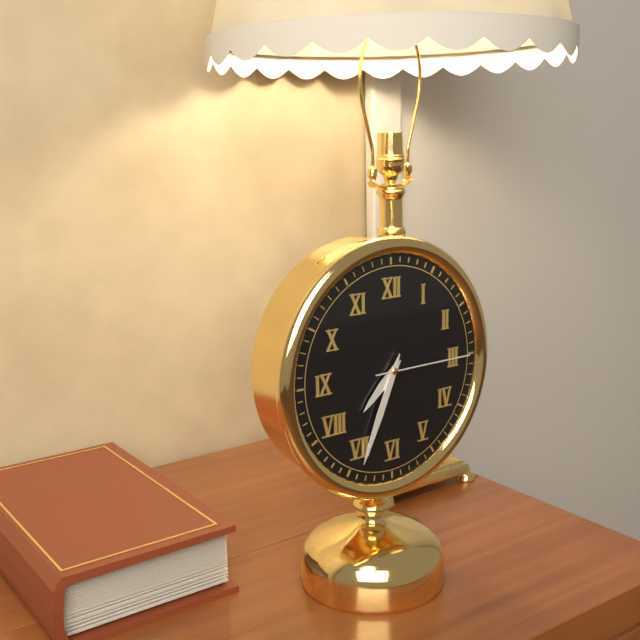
7 h 34 min 15 s
